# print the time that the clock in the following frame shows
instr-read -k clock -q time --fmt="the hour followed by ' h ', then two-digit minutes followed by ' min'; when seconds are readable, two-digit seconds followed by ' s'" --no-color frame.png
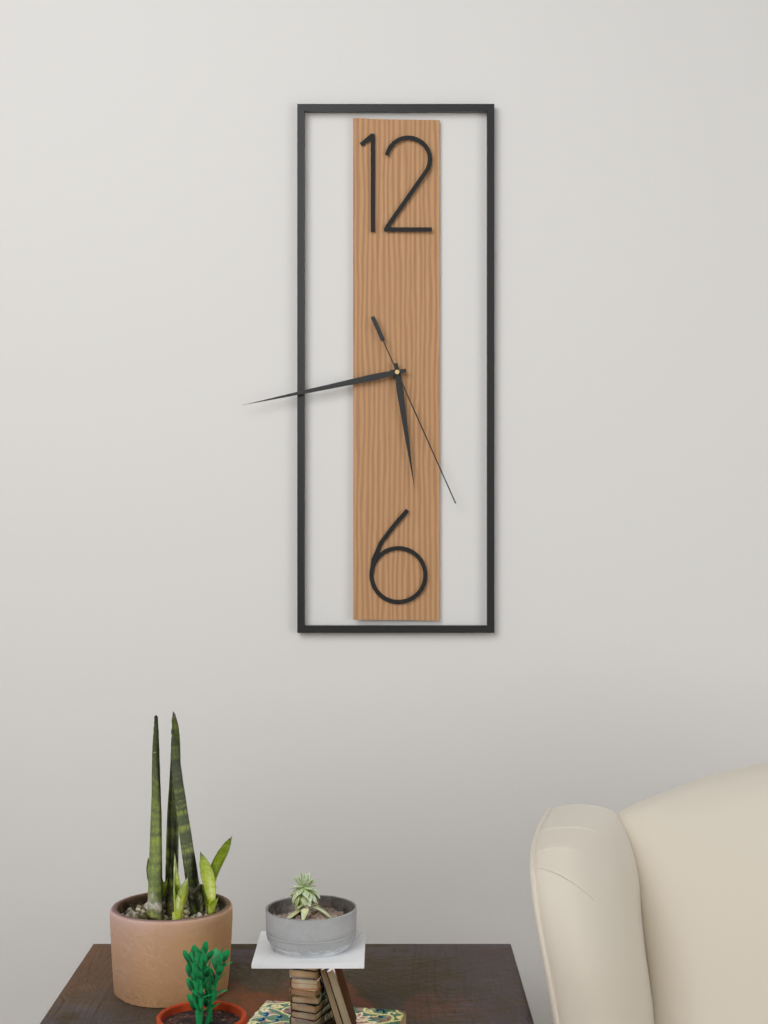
5 h 43 min 26 s
